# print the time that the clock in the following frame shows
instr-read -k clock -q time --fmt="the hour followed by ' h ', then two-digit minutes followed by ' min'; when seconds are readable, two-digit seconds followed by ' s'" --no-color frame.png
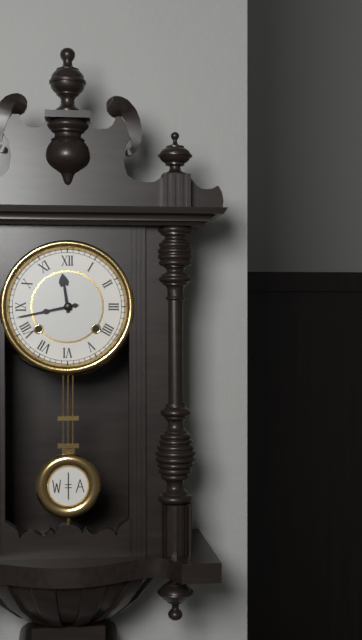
11 h 43 min
